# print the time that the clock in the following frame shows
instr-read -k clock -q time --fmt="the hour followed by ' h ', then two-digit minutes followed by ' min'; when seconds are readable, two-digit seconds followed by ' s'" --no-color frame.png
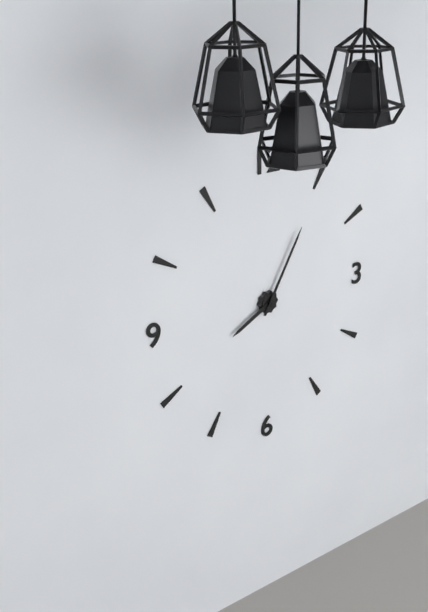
8 h 05 min
